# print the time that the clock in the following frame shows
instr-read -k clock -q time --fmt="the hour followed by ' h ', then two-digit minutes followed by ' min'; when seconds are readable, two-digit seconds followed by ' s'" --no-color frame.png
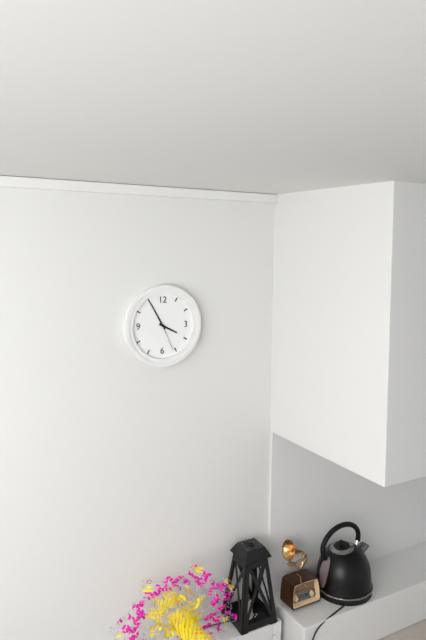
3 h 55 min
